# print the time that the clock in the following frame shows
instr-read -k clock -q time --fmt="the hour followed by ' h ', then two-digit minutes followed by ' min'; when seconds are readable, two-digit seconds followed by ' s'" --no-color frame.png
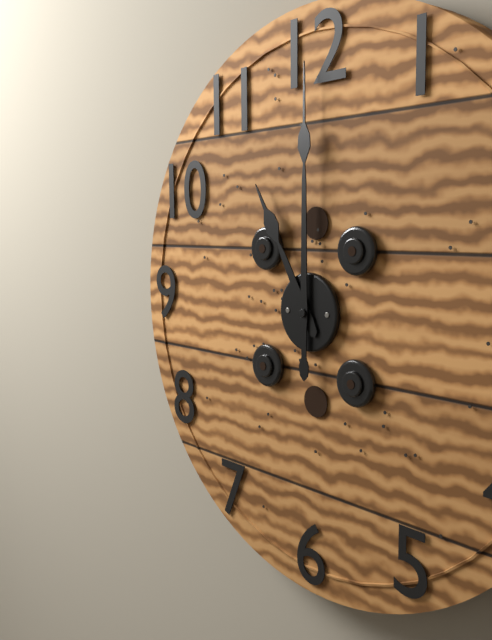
11 h 00 min
